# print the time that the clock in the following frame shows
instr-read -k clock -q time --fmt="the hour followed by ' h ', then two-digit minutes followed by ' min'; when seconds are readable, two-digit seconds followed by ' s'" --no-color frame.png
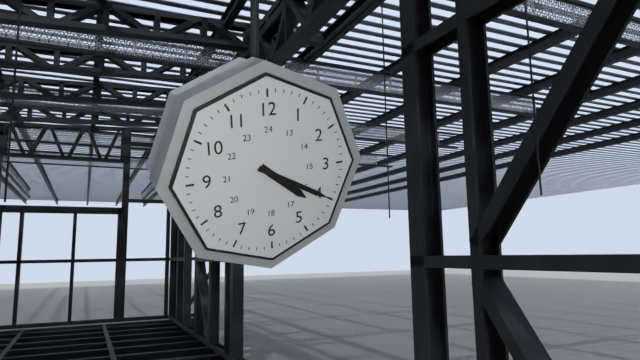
4 h 20 min
